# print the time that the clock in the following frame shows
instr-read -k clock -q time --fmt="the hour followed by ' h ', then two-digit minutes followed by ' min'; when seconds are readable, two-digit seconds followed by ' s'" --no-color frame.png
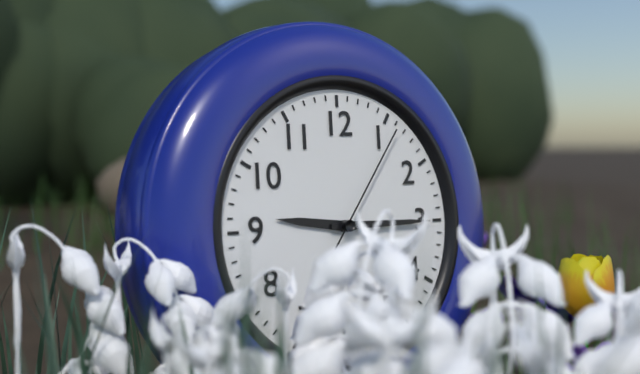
9 h 15 min 06 s
